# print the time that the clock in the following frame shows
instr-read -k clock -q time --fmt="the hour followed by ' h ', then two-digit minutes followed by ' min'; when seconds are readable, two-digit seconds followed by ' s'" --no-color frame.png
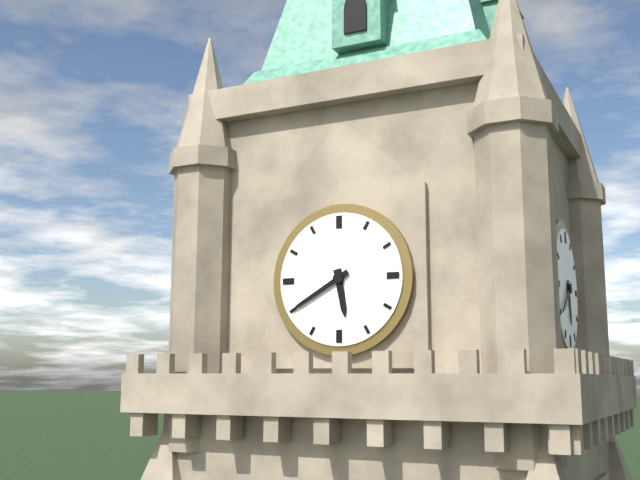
5 h 40 min
